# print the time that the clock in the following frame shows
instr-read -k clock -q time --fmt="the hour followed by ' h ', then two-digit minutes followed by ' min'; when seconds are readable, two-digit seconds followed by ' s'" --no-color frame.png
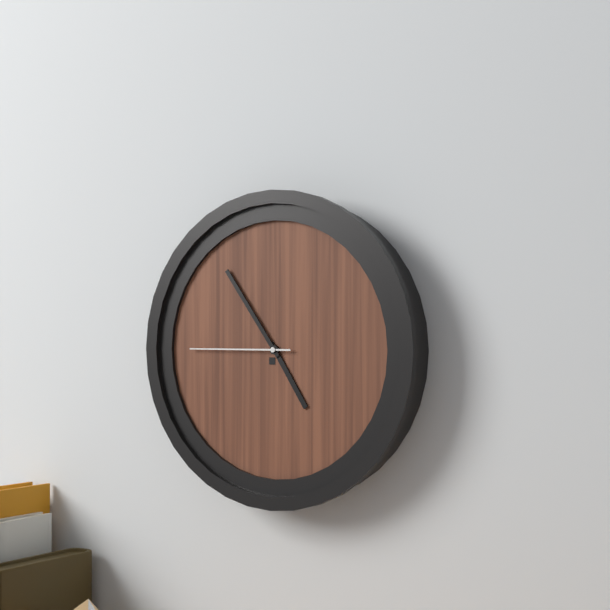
4 h 54 min 45 s
